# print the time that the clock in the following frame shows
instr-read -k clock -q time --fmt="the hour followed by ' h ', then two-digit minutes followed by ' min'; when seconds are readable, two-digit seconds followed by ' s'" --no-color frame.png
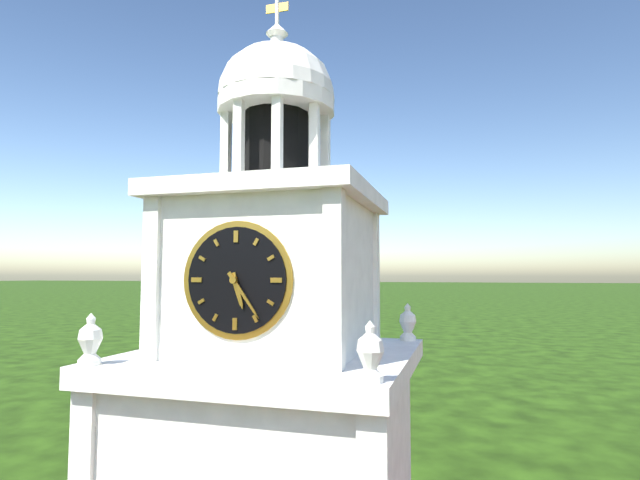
5 h 24 min
